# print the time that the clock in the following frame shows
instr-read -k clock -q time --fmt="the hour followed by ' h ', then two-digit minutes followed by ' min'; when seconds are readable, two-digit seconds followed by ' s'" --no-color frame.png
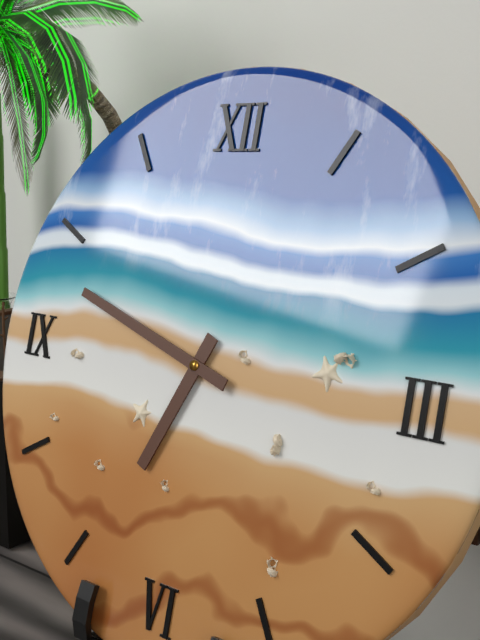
6 h 48 min
